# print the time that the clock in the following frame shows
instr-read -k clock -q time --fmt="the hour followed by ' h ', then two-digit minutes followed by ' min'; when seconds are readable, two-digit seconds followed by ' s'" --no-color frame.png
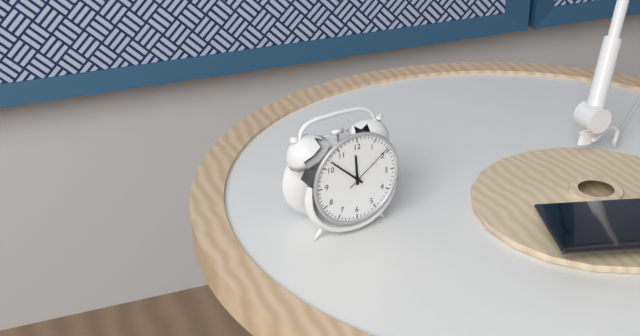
11 h 52 min 09 s
